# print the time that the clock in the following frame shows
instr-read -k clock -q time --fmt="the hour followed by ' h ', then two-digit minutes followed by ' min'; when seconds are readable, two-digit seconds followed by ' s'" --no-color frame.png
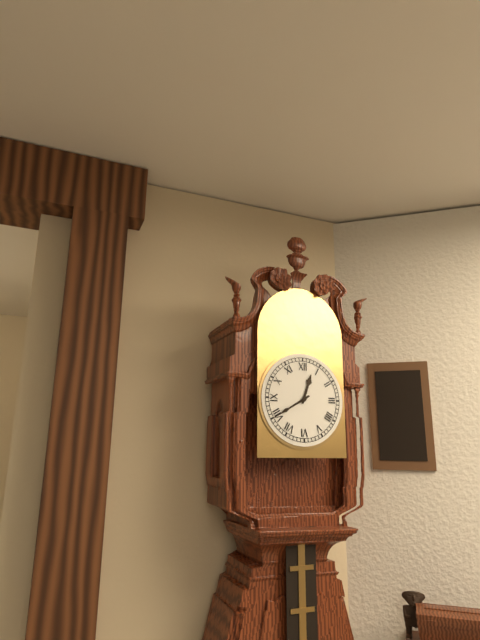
12 h 40 min
